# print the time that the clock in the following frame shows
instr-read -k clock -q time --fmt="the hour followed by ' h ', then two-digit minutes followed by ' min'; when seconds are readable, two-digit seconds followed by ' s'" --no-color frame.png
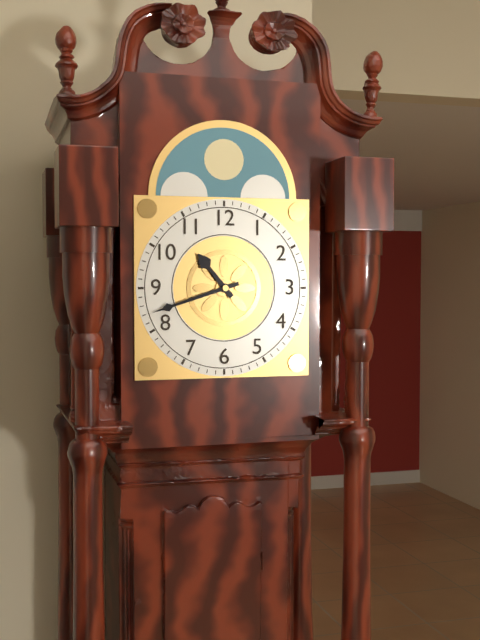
10 h 42 min
